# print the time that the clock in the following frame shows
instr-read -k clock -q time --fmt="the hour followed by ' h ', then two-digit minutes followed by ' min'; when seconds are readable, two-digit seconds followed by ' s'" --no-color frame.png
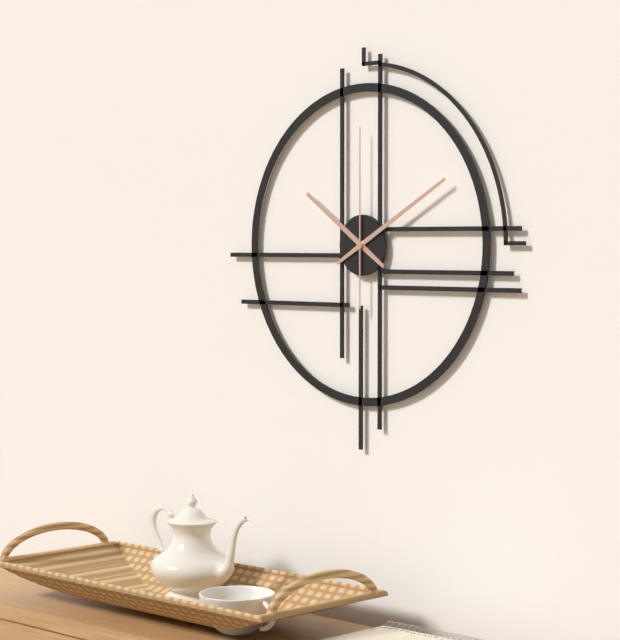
10 h 10 min 00 s
